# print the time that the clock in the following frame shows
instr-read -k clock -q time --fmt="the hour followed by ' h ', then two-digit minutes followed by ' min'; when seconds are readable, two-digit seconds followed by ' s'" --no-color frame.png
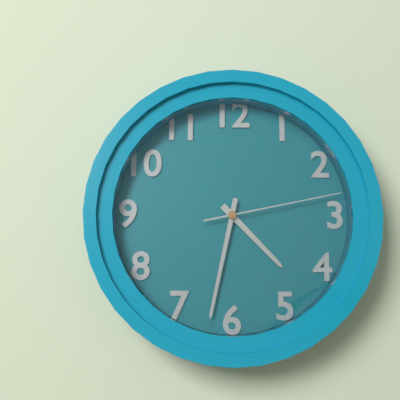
4 h 32 min 13 s
